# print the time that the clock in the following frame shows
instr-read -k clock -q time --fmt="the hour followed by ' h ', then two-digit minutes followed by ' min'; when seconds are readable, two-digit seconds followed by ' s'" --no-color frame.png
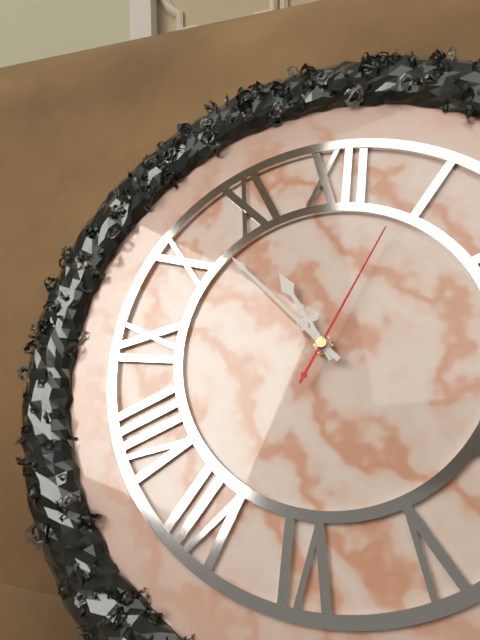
10 h 52 min 04 s
